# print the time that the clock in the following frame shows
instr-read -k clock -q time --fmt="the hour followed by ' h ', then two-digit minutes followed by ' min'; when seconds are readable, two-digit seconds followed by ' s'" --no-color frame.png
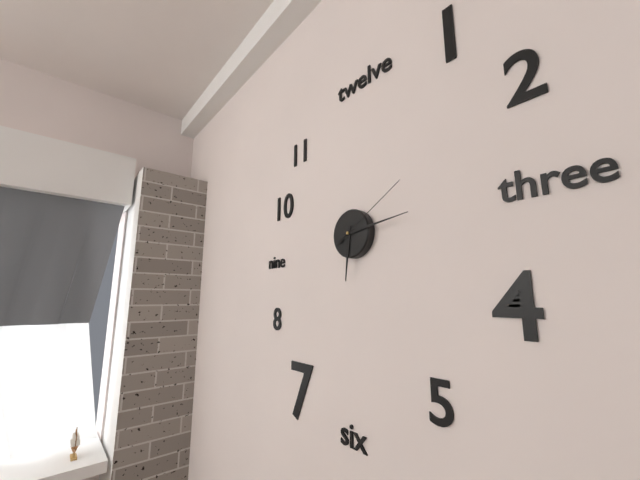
6 h 14 min 10 s
